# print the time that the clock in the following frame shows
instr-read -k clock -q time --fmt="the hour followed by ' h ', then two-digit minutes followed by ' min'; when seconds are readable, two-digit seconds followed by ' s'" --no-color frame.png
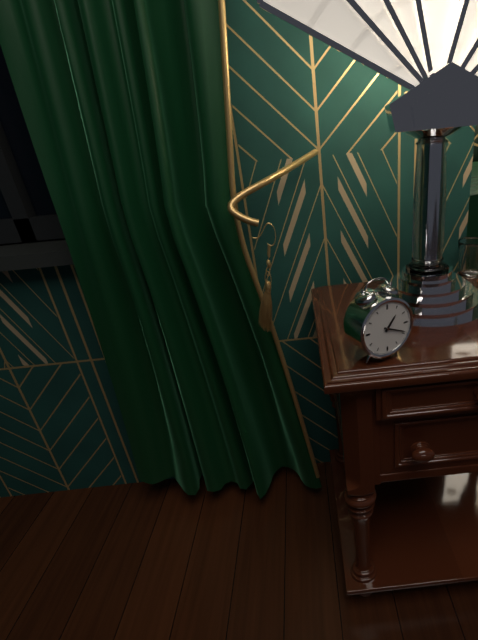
1 h 19 min
